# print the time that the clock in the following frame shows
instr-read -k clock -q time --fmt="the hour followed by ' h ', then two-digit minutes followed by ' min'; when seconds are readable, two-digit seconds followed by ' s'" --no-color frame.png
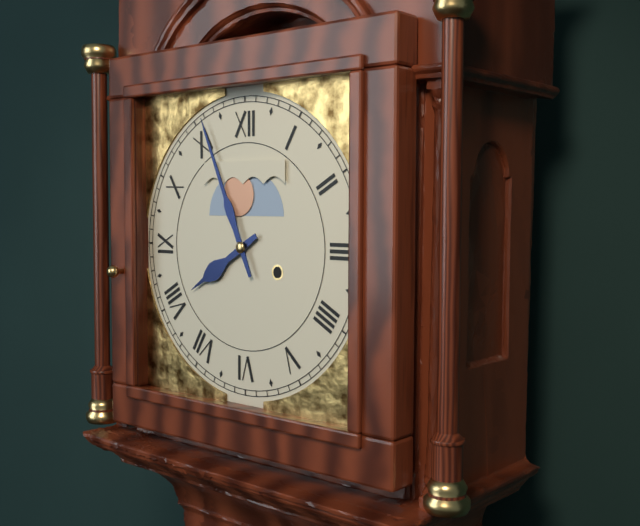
7 h 56 min
